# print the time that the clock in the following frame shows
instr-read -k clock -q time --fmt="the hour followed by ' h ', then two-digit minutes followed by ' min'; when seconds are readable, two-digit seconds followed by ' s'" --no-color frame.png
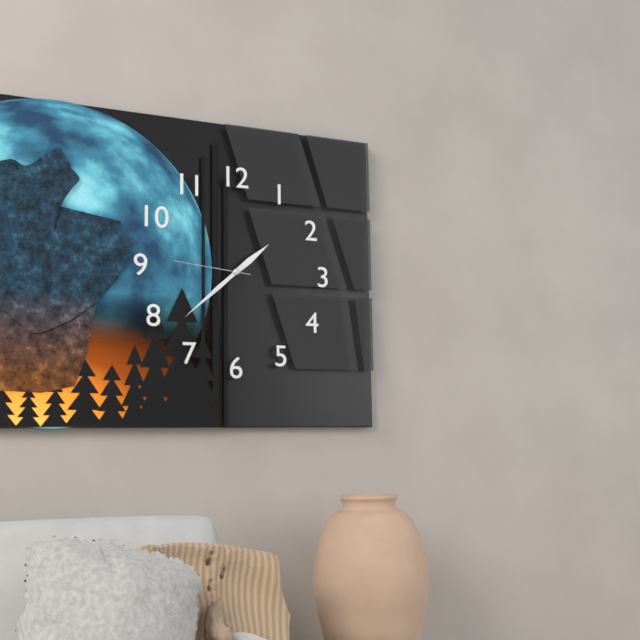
1 h 38 min 46 s
